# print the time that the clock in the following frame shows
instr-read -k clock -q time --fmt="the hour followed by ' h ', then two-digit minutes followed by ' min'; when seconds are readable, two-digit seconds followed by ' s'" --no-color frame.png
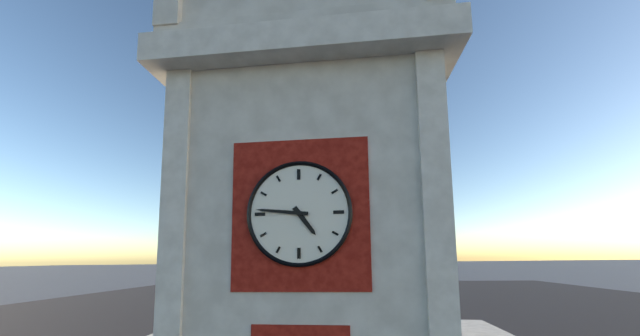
4 h 46 min
